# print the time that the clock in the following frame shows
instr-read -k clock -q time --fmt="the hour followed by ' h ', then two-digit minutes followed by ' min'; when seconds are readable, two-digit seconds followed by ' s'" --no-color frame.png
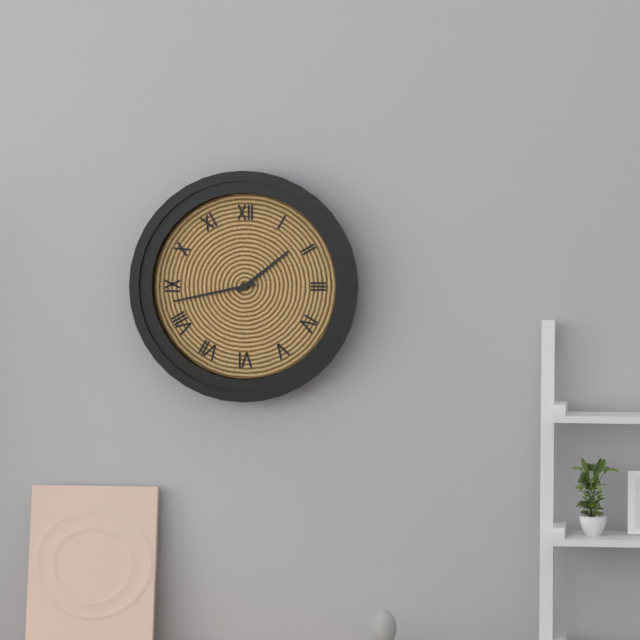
1 h 43 min
